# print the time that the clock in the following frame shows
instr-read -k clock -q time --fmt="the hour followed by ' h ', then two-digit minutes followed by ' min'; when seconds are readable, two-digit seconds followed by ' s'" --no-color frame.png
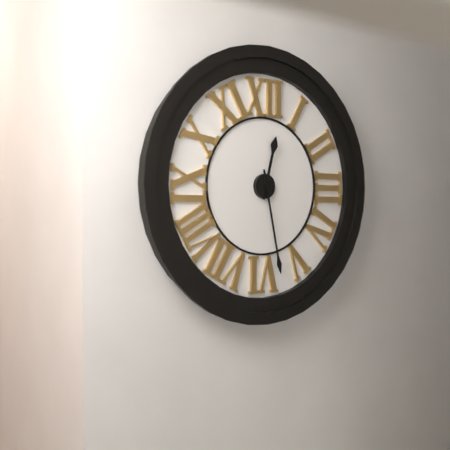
12 h 28 min
